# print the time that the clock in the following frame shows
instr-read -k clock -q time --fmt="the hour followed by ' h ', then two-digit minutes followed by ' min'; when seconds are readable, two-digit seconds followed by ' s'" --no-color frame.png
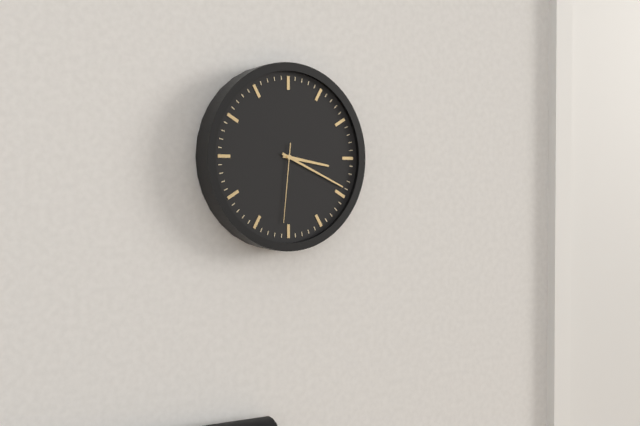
3 h 19 min 31 s
